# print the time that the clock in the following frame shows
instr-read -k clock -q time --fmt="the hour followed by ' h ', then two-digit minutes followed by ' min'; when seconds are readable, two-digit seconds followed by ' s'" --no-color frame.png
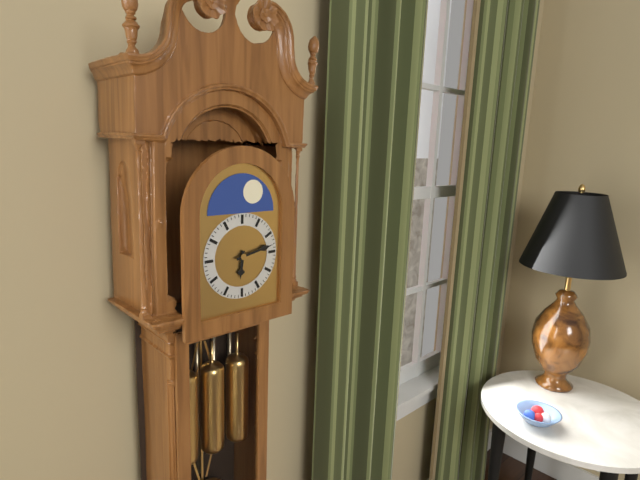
6 h 13 min
